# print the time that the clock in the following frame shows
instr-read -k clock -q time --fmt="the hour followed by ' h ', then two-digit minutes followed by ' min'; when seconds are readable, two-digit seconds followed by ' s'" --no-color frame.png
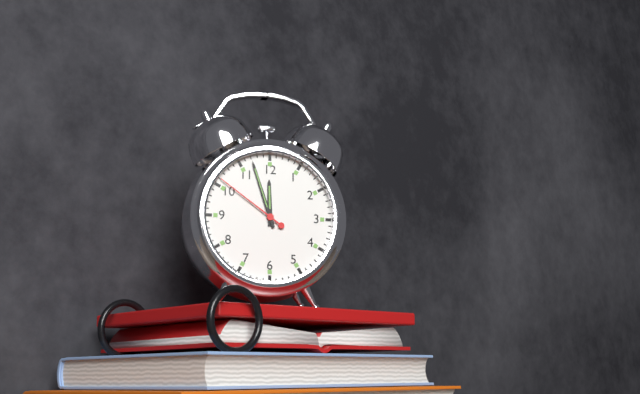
11 h 57 min 51 s
